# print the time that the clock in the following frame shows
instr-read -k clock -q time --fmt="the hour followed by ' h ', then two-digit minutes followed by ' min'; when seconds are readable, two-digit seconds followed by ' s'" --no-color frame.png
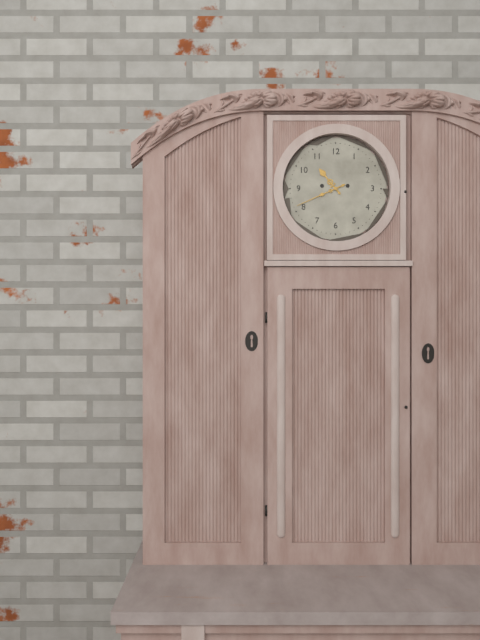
10 h 41 min
